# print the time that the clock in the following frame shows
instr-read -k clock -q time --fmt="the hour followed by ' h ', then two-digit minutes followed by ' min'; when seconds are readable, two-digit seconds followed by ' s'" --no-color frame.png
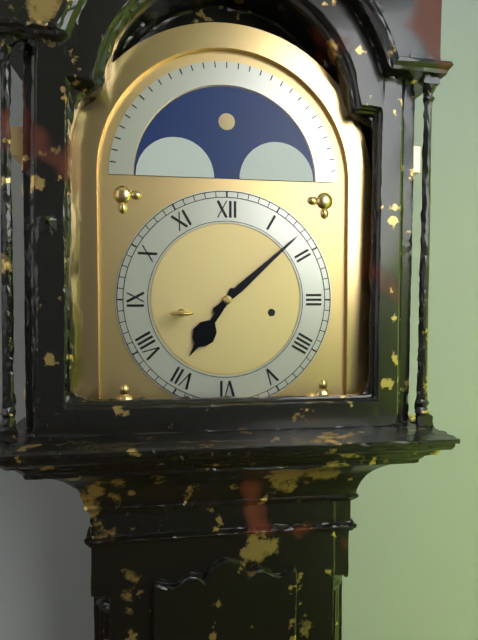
7 h 08 min
